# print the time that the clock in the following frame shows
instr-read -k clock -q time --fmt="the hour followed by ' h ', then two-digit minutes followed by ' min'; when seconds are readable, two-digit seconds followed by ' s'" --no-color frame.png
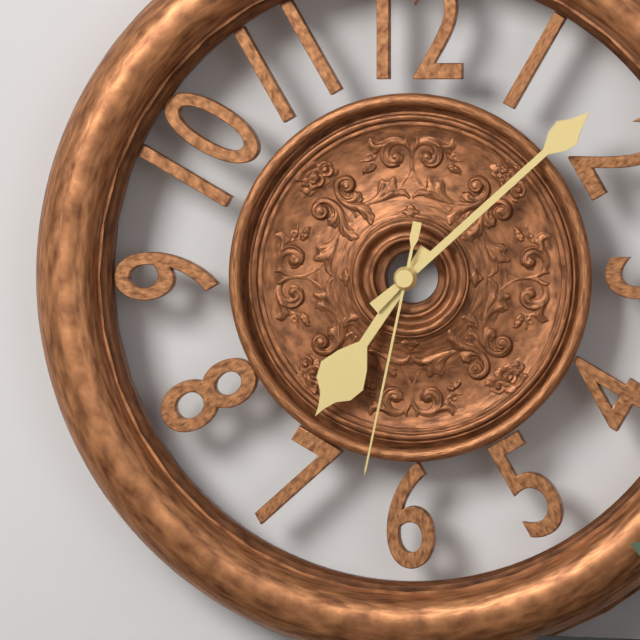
7 h 08 min 32 s
